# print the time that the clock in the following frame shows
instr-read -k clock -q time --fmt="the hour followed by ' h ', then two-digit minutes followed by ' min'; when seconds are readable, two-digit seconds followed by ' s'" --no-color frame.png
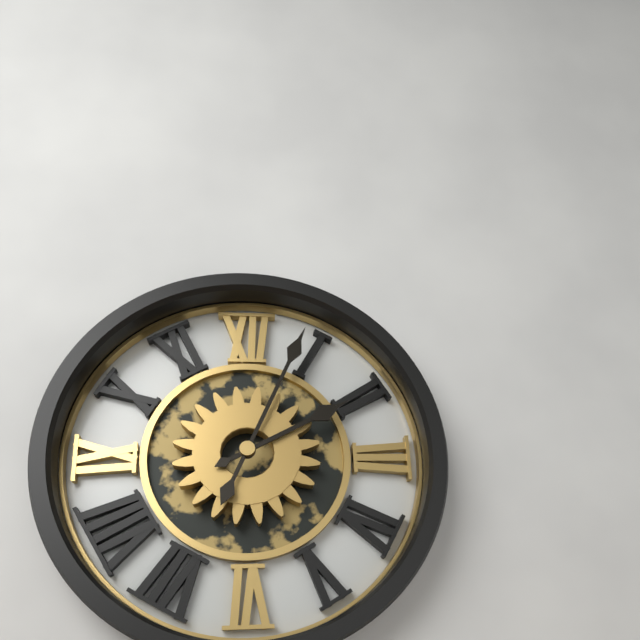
2 h 04 min
